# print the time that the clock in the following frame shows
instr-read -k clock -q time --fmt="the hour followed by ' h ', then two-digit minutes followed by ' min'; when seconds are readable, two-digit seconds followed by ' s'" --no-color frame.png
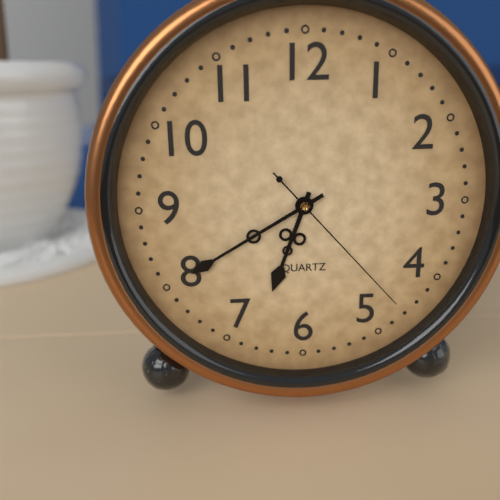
6 h 40 min 23 s
